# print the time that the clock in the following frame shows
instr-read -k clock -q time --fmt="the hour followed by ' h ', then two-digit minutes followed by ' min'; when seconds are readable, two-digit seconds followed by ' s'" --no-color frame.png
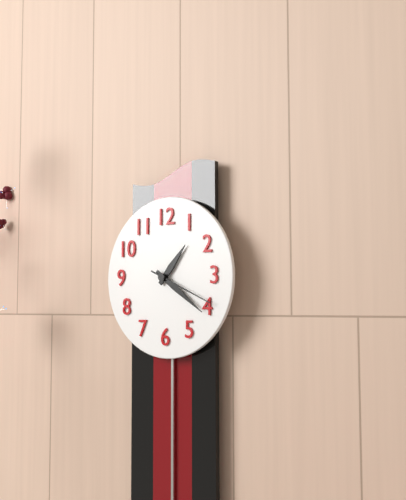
1 h 21 min 19 s
